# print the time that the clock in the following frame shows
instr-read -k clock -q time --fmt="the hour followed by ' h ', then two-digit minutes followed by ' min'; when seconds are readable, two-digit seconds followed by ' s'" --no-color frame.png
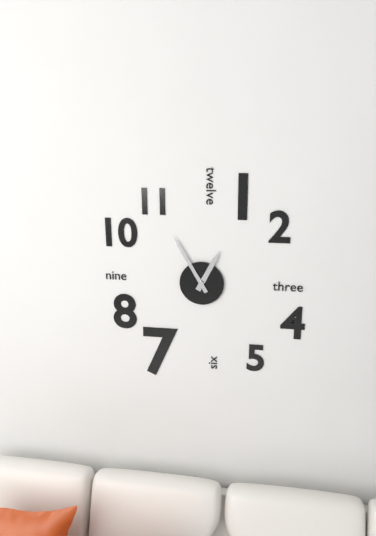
12 h 55 min
